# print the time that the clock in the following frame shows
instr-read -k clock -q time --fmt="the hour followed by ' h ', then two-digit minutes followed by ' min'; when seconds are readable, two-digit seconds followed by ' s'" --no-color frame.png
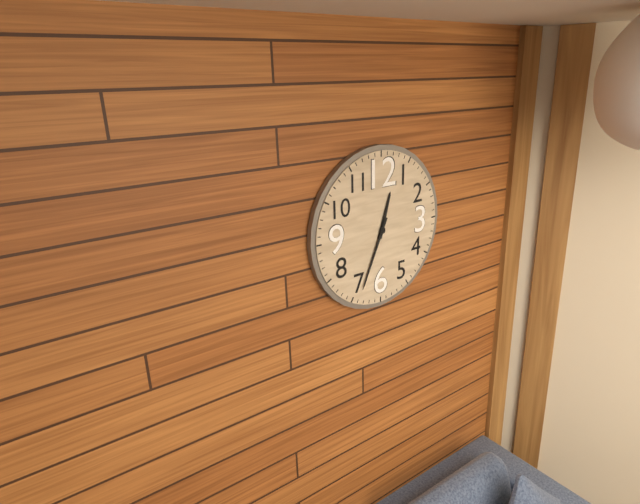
12 h 34 min
